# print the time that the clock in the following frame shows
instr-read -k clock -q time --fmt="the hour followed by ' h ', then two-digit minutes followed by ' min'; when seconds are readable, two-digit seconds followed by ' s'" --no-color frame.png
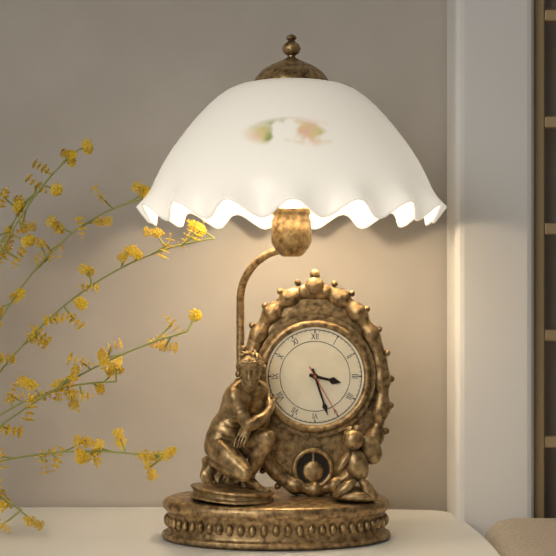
3 h 27 min 25 s
